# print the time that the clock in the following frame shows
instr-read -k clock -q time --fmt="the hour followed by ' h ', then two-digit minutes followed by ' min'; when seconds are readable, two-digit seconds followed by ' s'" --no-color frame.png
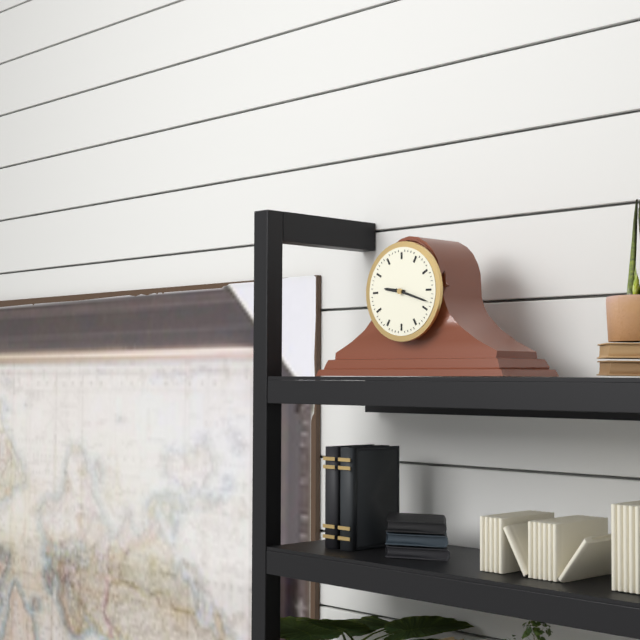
9 h 18 min
